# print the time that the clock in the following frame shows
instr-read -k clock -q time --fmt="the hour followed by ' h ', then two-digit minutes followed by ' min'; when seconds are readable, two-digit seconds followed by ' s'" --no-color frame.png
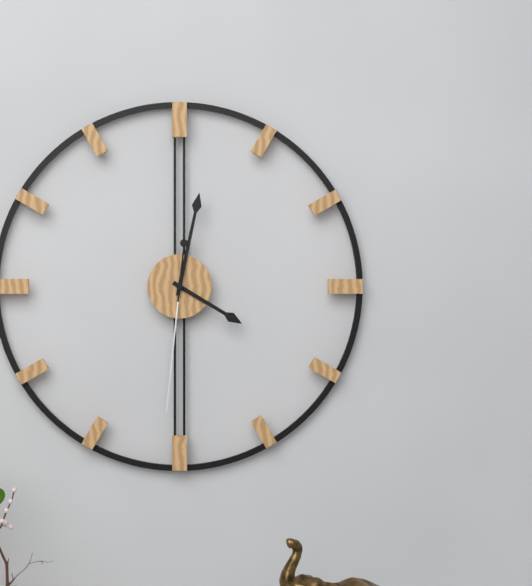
4 h 02 min 31 s
